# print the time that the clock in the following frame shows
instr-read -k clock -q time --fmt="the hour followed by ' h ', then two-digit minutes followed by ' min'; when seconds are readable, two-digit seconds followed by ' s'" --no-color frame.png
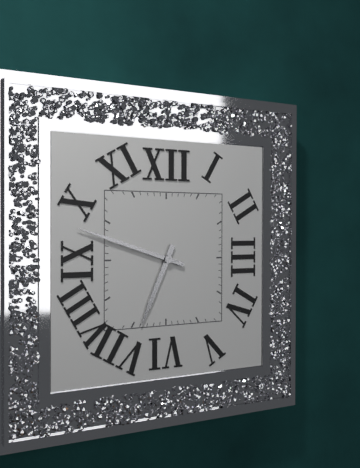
6 h 48 min
